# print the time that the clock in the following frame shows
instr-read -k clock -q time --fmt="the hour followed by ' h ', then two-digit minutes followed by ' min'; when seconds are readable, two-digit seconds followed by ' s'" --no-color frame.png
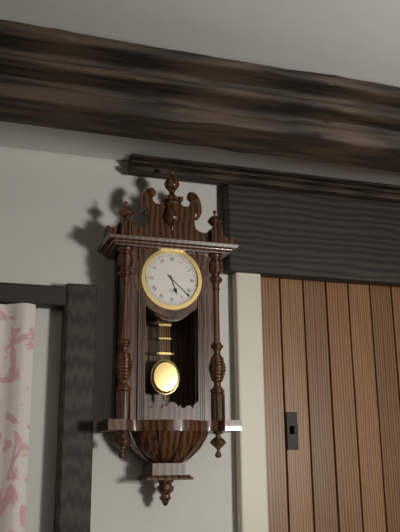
5 h 22 min
